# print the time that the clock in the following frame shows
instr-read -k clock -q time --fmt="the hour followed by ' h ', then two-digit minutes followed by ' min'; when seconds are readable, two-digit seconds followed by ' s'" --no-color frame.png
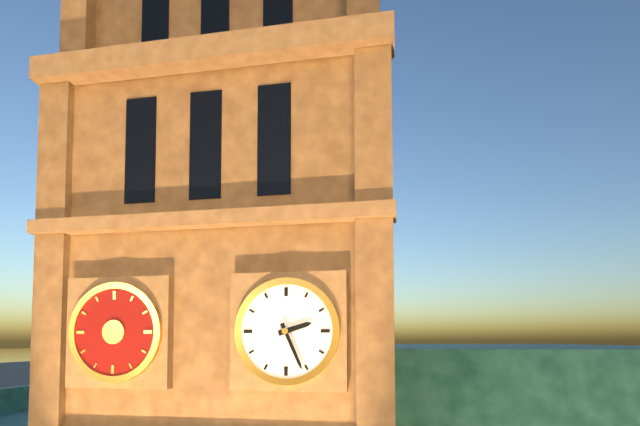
2 h 26 min
